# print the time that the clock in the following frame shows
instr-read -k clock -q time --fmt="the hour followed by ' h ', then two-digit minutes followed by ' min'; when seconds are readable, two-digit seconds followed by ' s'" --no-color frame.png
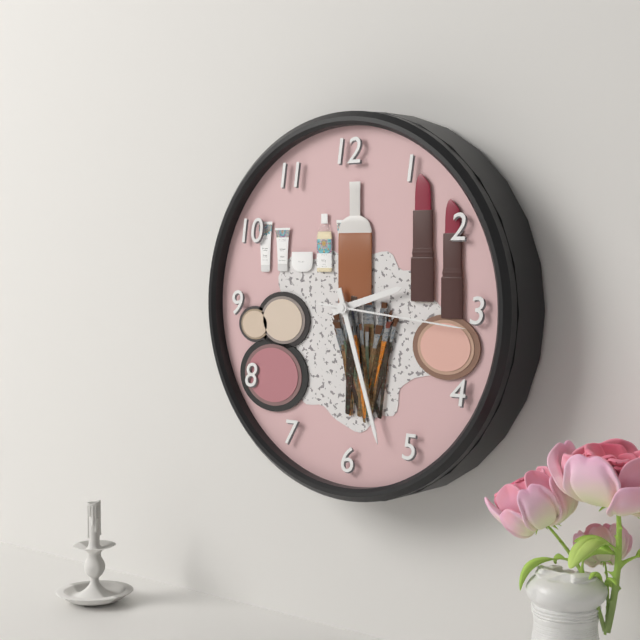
2 h 27 min 16 s
